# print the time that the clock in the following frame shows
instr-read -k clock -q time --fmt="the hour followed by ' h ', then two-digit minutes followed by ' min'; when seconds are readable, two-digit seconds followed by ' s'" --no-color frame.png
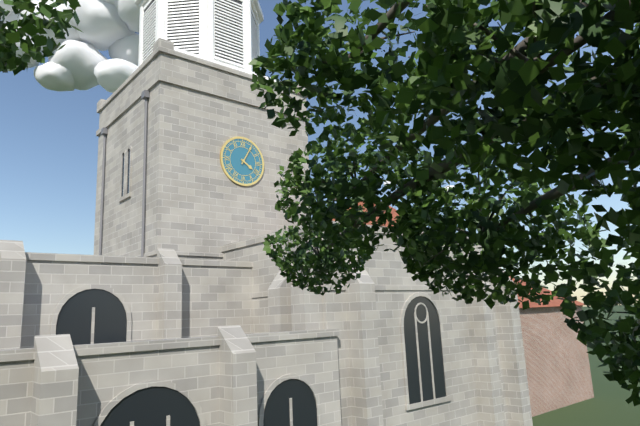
4 h 05 min
